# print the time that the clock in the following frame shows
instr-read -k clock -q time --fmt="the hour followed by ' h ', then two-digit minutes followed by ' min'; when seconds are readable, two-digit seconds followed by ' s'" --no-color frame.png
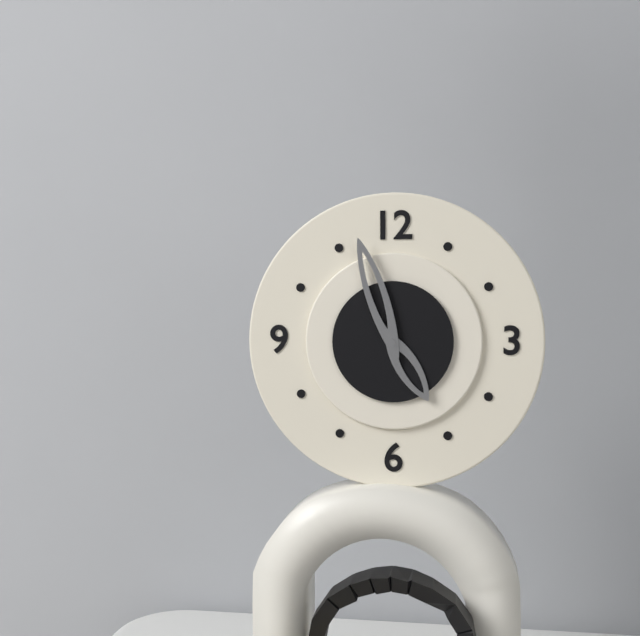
4 h 57 min
